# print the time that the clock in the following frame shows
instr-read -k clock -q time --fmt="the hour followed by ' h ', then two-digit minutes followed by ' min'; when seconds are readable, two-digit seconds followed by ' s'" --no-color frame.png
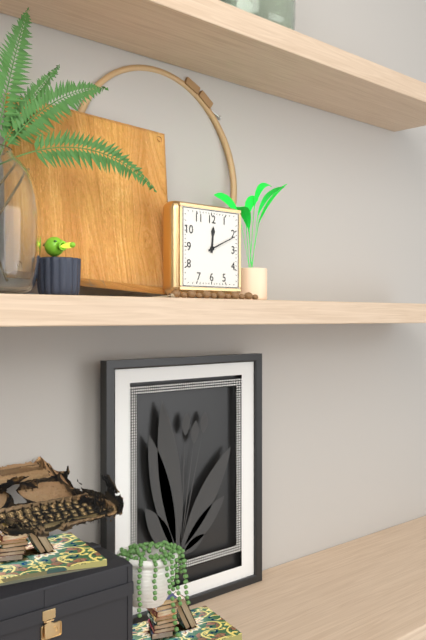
12 h 11 min
